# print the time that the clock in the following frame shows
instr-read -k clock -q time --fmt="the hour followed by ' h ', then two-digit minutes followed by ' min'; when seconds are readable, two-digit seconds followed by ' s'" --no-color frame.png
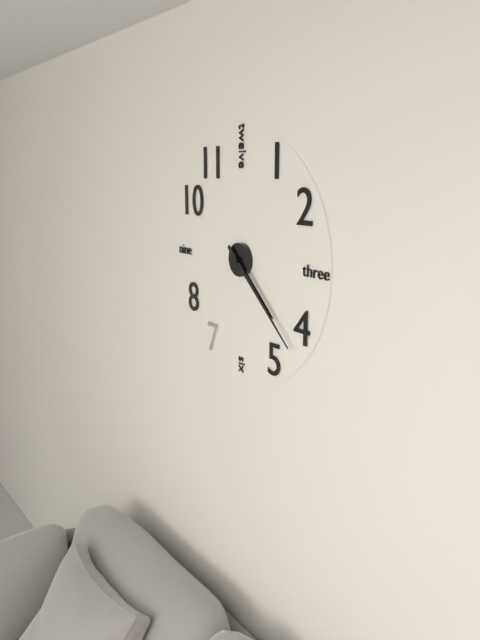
4 h 22 min
